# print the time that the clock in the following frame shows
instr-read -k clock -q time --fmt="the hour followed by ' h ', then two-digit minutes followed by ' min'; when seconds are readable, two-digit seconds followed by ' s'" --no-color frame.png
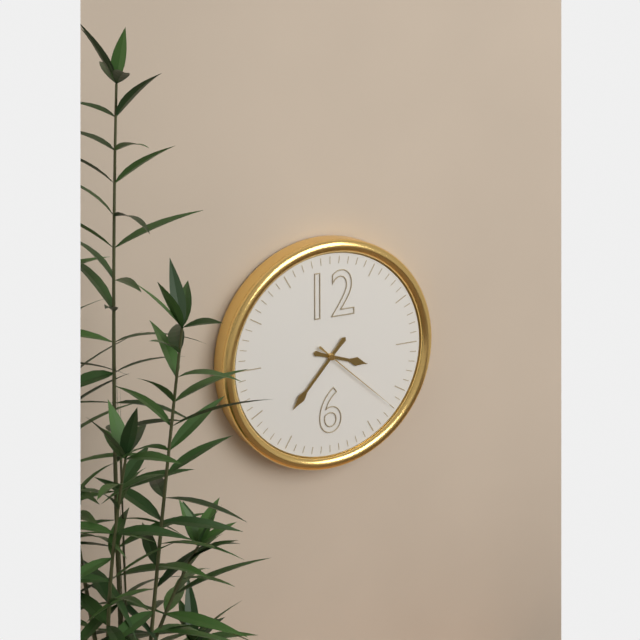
3 h 37 min 22 s
